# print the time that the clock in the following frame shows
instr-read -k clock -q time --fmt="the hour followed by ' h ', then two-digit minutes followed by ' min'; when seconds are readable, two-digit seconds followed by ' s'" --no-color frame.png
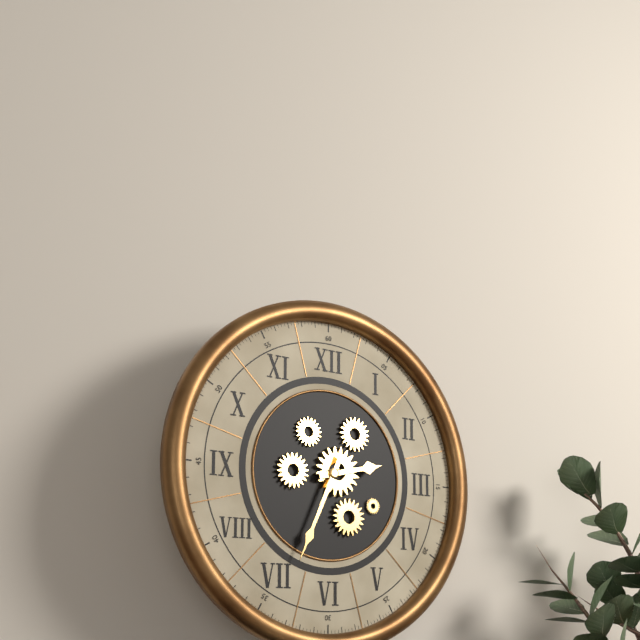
2 h 34 min
